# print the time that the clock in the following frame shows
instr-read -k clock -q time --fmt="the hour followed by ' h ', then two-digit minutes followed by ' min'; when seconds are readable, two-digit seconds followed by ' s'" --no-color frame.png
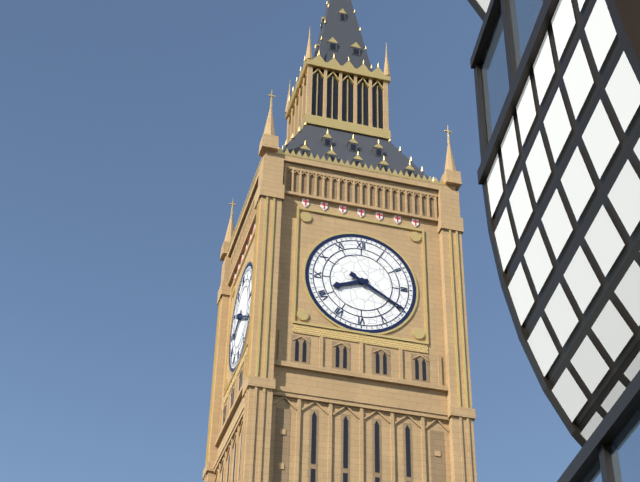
8 h 20 min
